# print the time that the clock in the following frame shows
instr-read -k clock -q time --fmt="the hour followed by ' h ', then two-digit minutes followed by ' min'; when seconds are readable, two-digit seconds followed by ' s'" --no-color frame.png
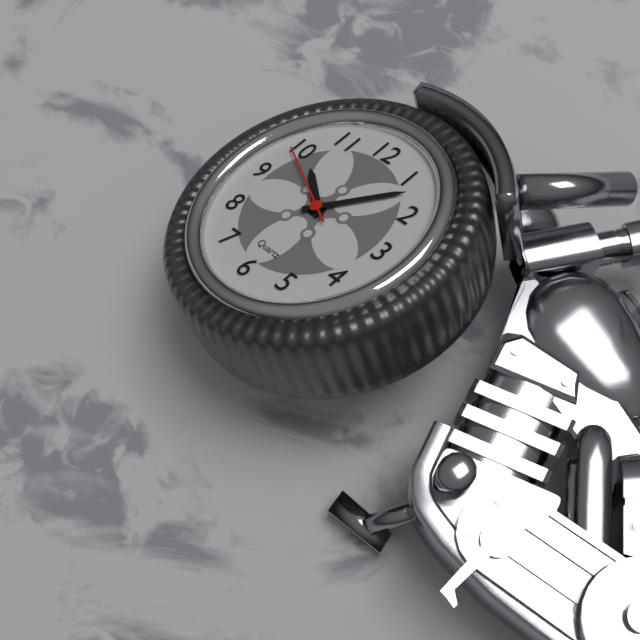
10 h 07 min 49 s
